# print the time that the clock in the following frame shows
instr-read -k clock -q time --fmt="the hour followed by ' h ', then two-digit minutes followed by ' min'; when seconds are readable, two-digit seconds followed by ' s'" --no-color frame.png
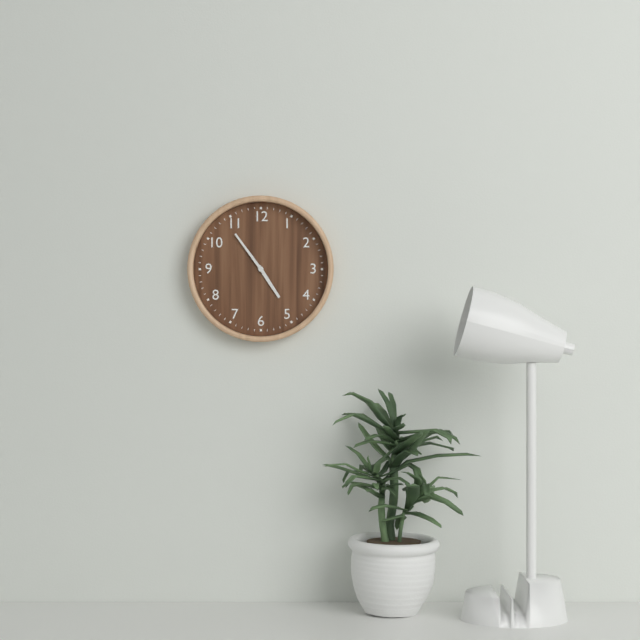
4 h 54 min
